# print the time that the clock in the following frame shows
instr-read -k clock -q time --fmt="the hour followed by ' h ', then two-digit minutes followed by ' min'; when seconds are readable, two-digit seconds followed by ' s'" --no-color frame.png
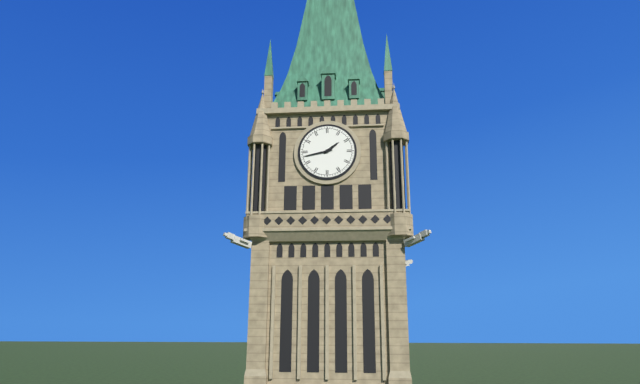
1 h 43 min
